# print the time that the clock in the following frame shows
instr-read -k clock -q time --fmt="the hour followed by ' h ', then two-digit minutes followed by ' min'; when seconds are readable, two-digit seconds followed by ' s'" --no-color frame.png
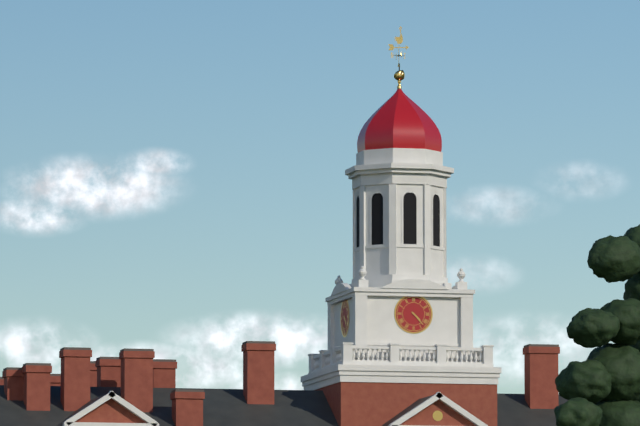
4 h 23 min
